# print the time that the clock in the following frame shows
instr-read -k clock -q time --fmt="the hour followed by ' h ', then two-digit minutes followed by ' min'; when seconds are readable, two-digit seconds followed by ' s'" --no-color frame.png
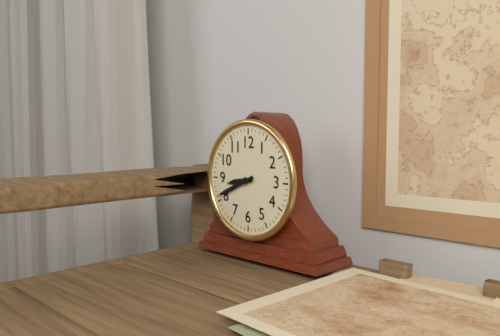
8 h 41 min
